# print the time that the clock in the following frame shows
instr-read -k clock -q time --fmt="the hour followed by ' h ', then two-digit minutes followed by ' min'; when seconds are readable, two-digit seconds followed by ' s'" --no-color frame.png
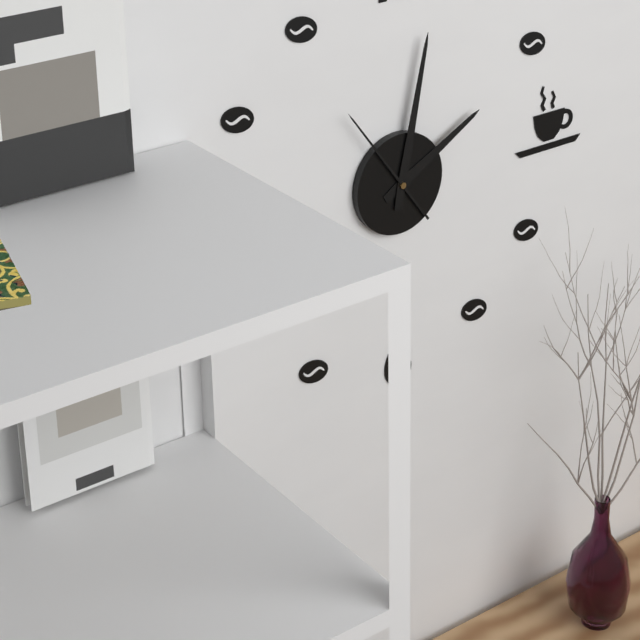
2 h 02 min 54 s
